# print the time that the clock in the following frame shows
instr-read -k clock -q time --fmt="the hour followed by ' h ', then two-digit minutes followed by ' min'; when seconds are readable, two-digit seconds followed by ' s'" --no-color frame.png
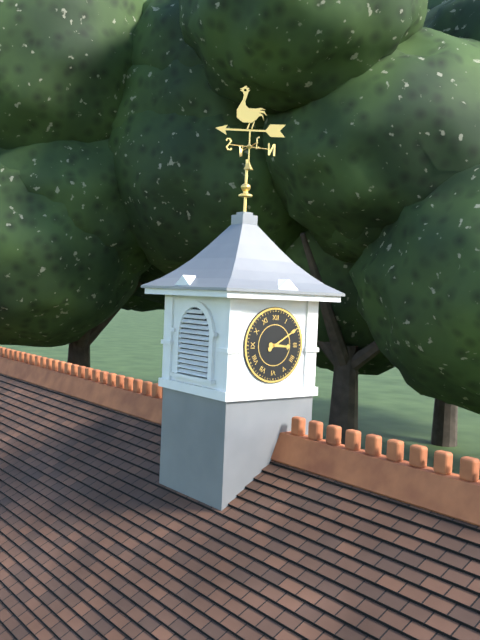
3 h 10 min
